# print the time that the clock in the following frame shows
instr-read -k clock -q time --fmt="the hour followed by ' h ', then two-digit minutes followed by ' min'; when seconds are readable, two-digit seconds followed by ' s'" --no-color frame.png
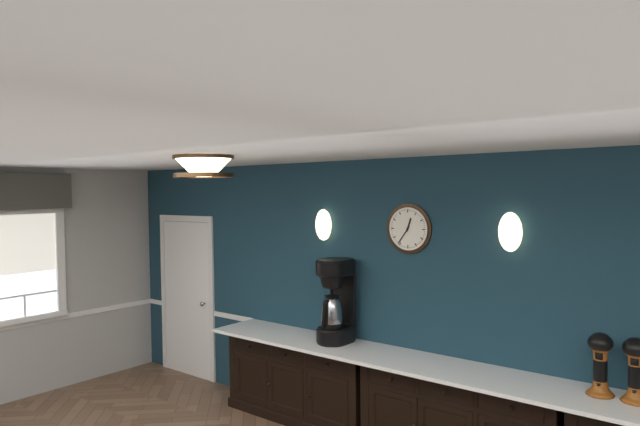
12 h 36 min
